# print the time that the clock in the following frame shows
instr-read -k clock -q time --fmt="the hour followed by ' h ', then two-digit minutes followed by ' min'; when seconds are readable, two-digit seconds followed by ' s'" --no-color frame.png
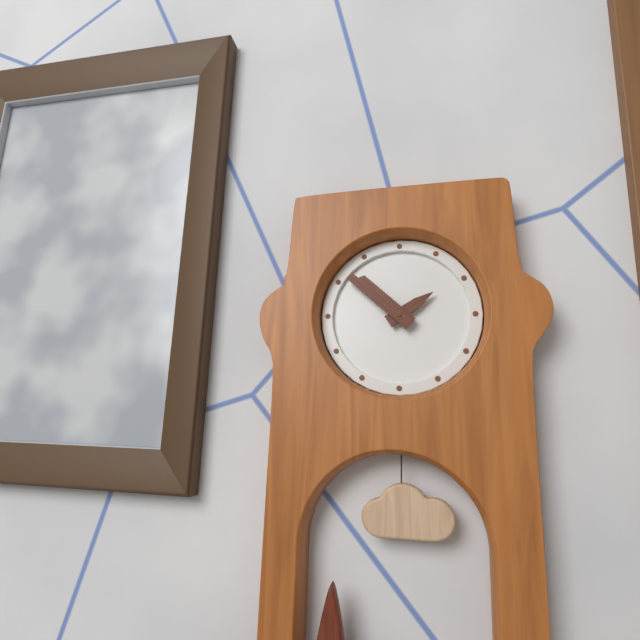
1 h 52 min
